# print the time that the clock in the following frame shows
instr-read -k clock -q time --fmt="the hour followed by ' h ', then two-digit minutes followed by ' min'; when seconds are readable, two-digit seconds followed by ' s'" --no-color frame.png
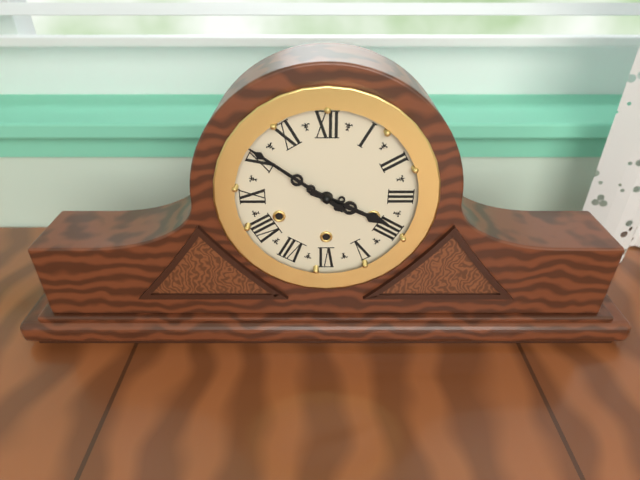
3 h 51 min
